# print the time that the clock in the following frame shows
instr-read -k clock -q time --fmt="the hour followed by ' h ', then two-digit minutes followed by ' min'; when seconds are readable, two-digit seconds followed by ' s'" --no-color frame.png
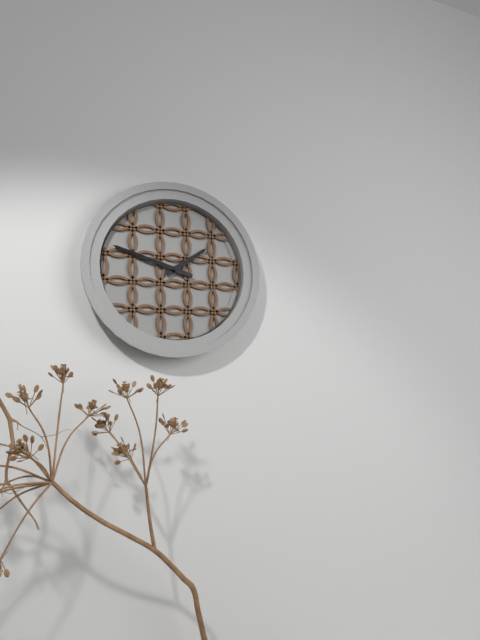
1 h 48 min
